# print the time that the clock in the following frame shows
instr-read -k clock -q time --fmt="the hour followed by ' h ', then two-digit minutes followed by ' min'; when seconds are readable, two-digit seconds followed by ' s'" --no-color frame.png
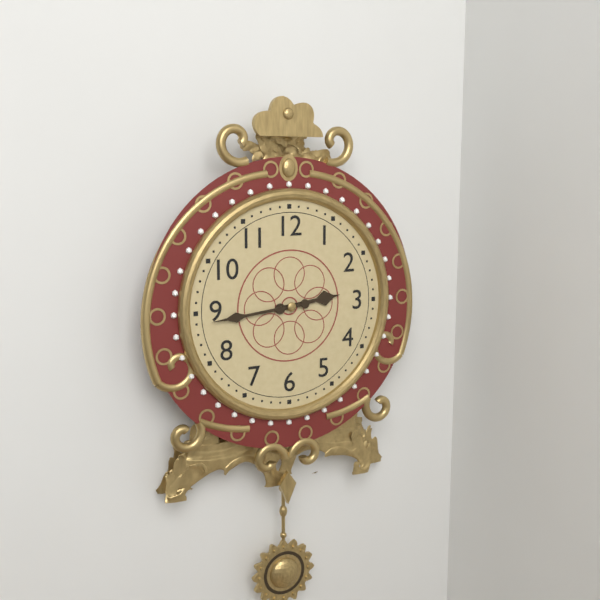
2 h 44 min
